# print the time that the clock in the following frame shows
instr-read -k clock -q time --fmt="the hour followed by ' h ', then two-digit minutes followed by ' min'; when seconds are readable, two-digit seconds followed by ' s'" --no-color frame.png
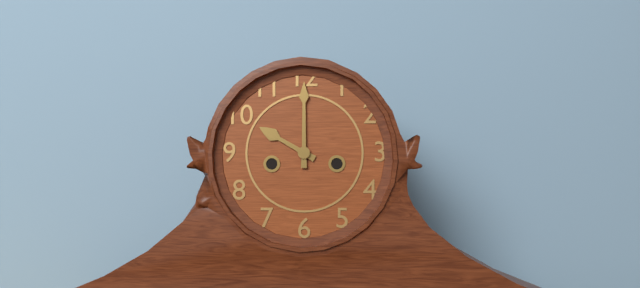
10 h 00 min
